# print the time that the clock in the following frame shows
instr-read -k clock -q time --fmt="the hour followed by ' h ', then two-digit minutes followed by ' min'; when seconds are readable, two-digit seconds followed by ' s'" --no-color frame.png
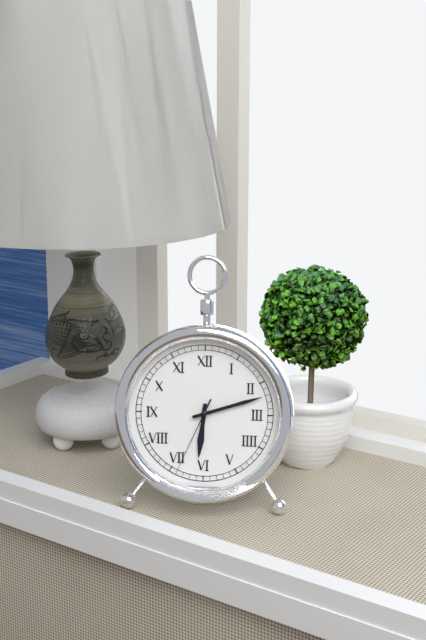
6 h 12 min 34 s
